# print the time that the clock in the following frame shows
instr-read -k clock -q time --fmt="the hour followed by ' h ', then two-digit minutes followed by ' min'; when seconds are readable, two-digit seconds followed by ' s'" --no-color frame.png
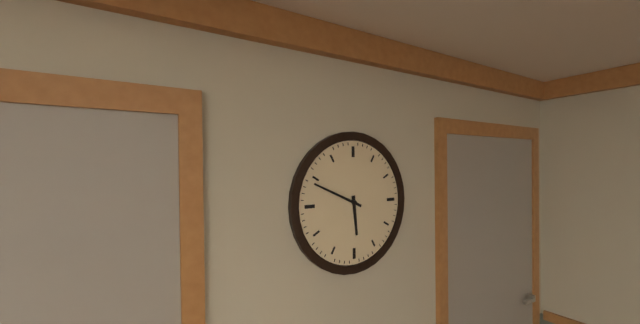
5 h 49 min
